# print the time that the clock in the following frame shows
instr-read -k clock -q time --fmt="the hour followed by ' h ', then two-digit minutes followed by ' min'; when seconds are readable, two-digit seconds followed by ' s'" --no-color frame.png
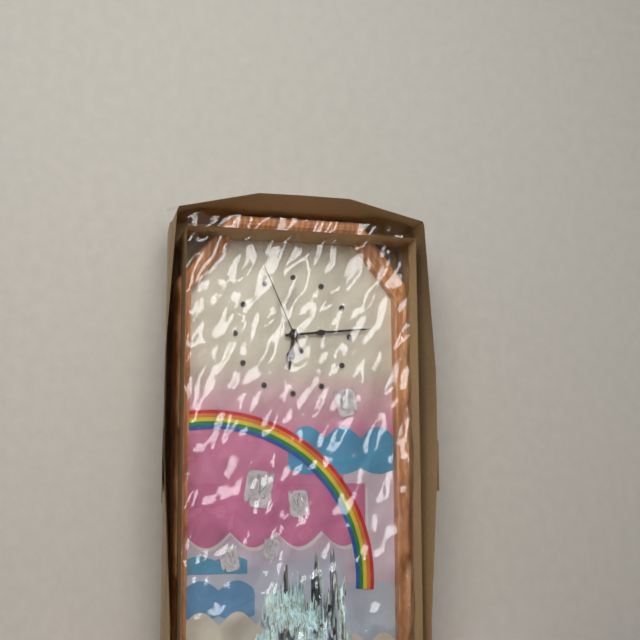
6 h 14 min 56 s
